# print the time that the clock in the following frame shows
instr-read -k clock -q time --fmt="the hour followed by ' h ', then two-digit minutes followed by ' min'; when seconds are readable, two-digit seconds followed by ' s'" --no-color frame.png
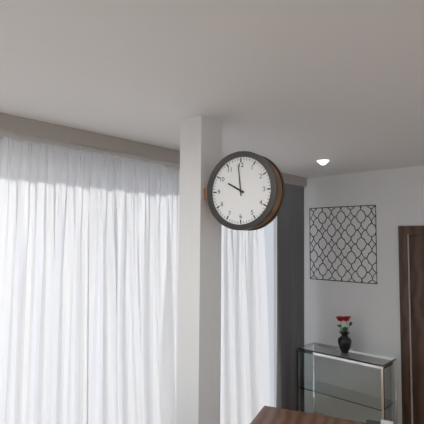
9 h 59 min
